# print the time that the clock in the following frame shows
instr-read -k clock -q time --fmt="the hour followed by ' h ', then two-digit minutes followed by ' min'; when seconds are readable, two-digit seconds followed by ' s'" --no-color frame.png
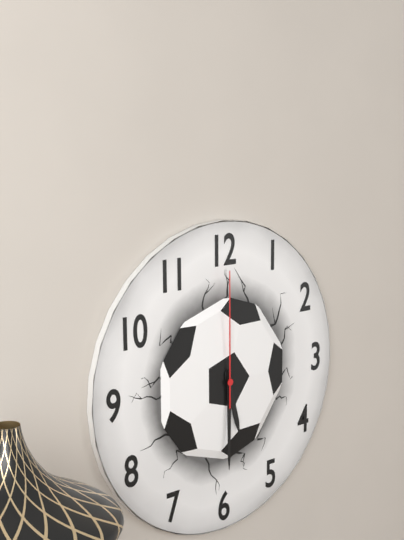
5 h 30 min 00 s
